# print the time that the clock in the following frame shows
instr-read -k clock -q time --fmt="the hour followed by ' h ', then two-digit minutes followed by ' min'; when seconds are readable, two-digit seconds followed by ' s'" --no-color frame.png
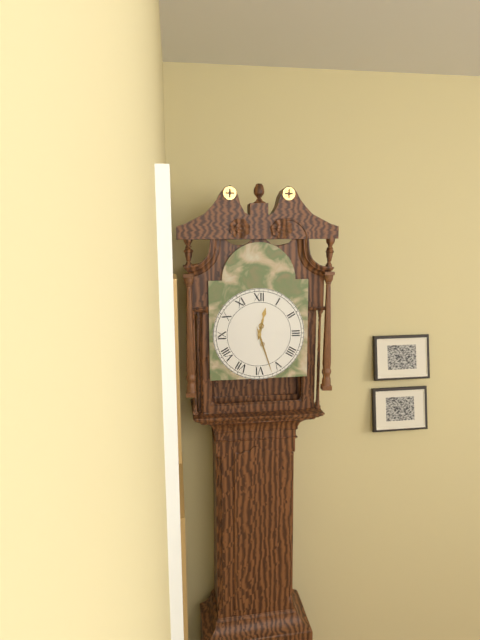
12 h 27 min
